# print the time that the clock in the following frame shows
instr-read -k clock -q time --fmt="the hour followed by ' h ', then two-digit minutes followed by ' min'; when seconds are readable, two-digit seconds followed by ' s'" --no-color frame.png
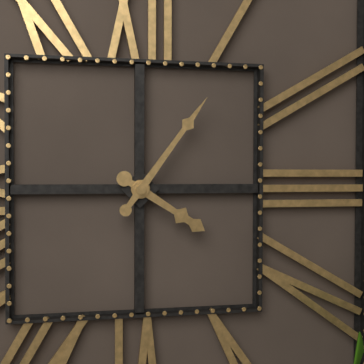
4 h 06 min
